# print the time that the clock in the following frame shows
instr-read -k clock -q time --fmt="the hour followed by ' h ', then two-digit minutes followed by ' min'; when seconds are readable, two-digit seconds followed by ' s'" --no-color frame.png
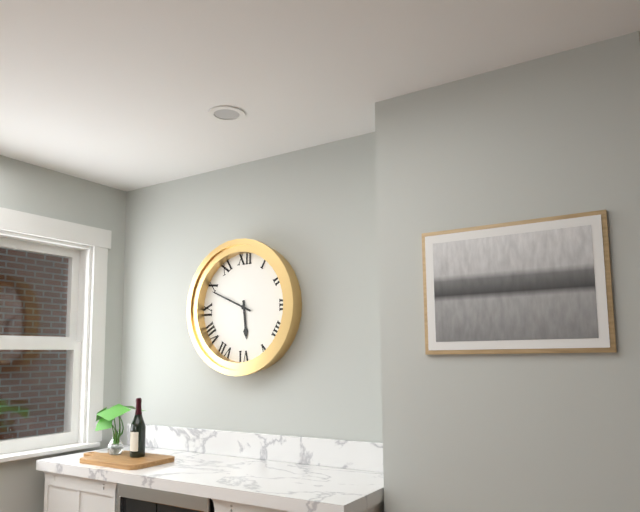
5 h 49 min
